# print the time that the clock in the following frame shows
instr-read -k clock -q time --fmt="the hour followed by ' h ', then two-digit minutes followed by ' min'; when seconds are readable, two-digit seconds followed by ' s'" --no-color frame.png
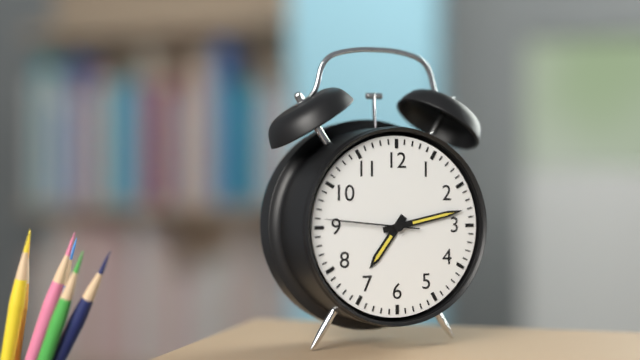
7 h 13 min 46 s
